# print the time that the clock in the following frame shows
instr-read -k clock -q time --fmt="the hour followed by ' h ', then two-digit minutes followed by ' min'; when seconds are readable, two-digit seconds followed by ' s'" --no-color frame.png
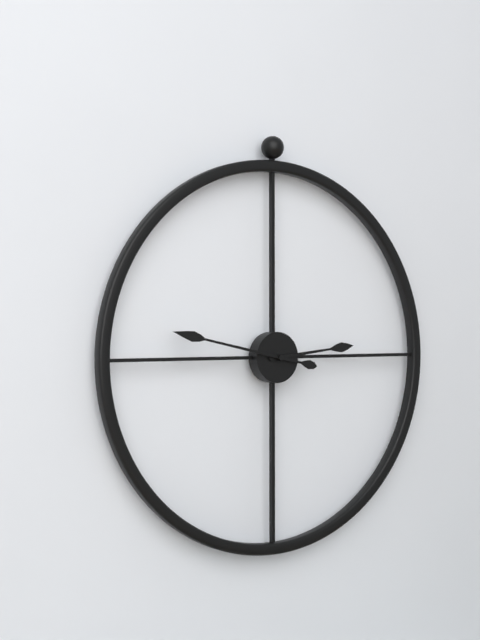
2 h 47 min
